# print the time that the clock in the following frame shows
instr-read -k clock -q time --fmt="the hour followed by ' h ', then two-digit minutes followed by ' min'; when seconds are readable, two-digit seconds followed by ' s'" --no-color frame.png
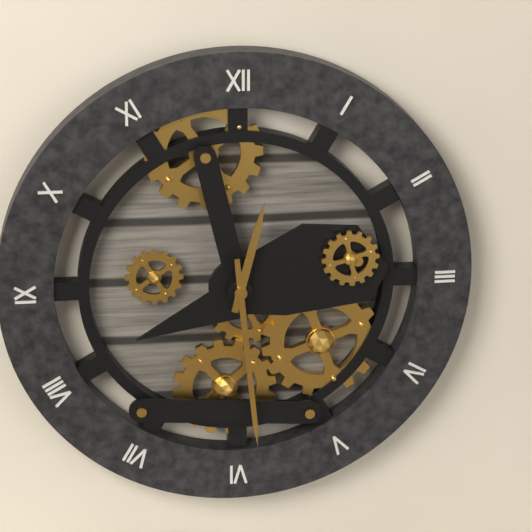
12 h 29 min
